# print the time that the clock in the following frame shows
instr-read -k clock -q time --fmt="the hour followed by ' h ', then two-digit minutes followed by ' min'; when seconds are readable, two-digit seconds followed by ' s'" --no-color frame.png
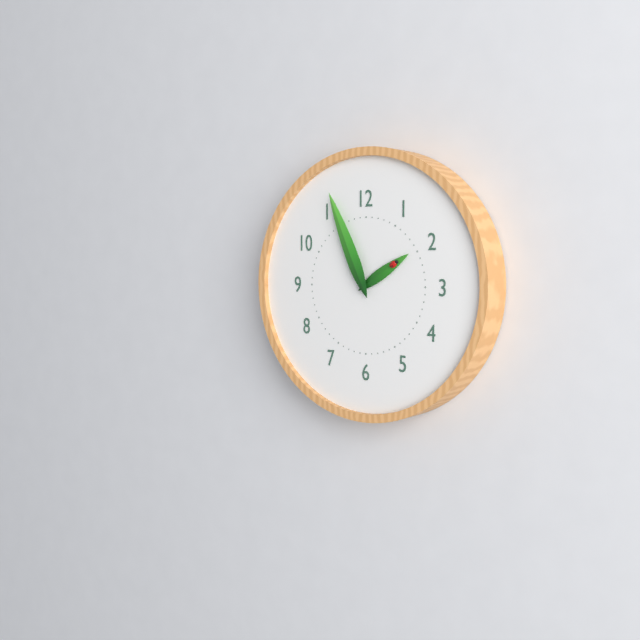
1 h 56 min
